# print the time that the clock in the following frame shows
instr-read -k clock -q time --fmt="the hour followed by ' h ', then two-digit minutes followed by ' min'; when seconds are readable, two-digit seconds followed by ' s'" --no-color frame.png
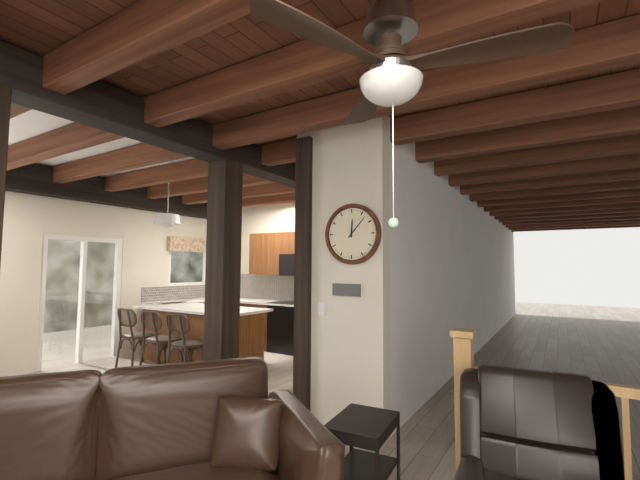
12 h 07 min
